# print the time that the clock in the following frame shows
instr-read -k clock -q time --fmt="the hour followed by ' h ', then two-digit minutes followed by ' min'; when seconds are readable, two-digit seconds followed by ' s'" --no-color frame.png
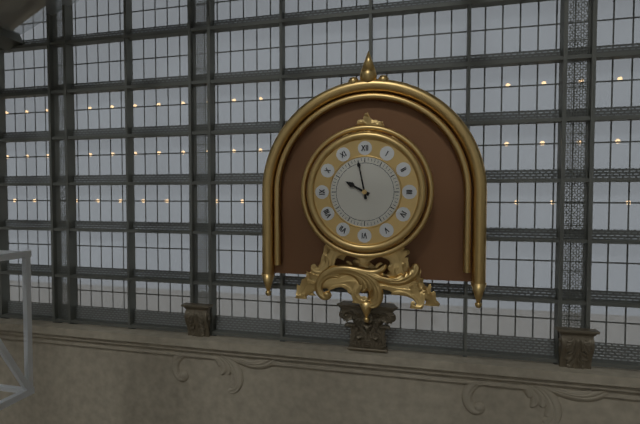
9 h 58 min
